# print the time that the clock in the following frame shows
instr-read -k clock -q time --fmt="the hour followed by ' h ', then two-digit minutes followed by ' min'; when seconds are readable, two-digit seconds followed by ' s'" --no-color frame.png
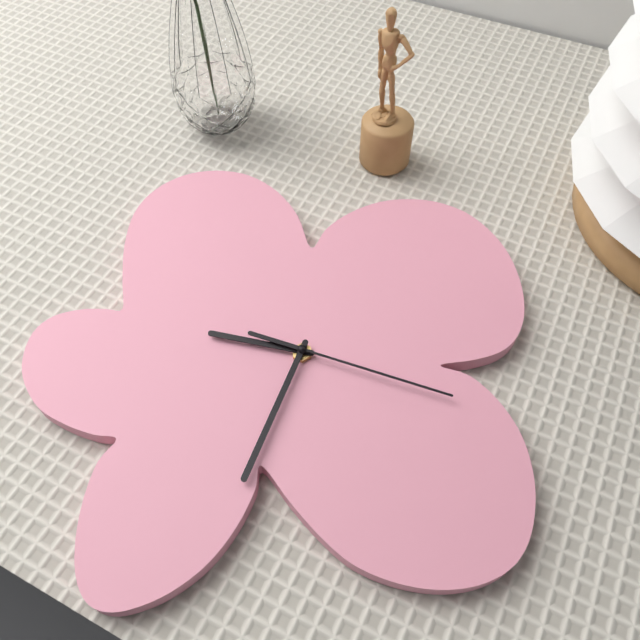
9 h 34 min 19 s
